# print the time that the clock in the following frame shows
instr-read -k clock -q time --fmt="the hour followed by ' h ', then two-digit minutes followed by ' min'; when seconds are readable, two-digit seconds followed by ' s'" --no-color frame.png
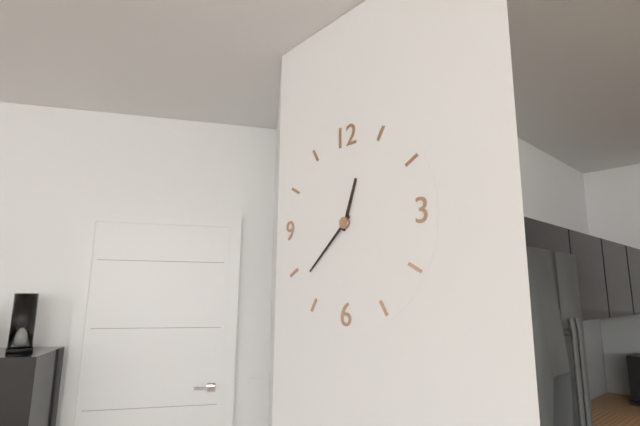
12 h 38 min
